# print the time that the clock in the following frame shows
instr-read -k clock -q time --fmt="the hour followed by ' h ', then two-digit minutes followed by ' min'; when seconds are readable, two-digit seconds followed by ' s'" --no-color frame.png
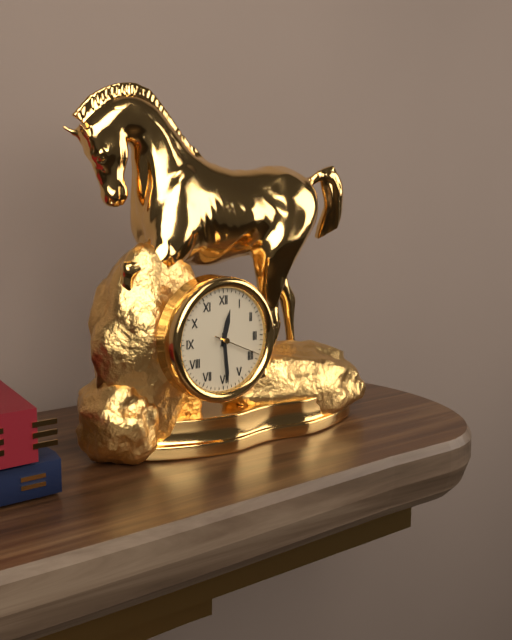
12 h 29 min
